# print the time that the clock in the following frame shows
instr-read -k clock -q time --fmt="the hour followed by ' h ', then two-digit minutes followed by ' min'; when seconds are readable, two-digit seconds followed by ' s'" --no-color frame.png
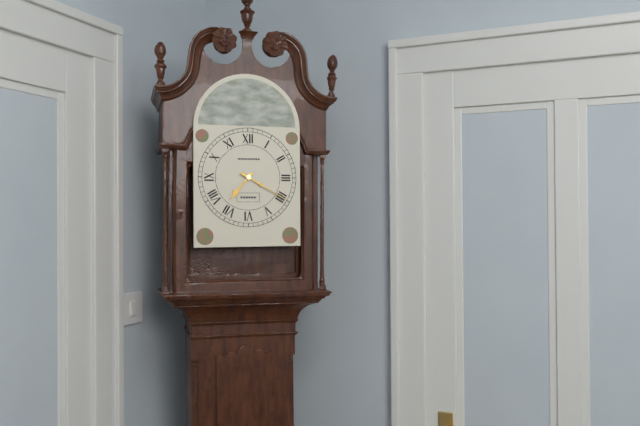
7 h 20 min
